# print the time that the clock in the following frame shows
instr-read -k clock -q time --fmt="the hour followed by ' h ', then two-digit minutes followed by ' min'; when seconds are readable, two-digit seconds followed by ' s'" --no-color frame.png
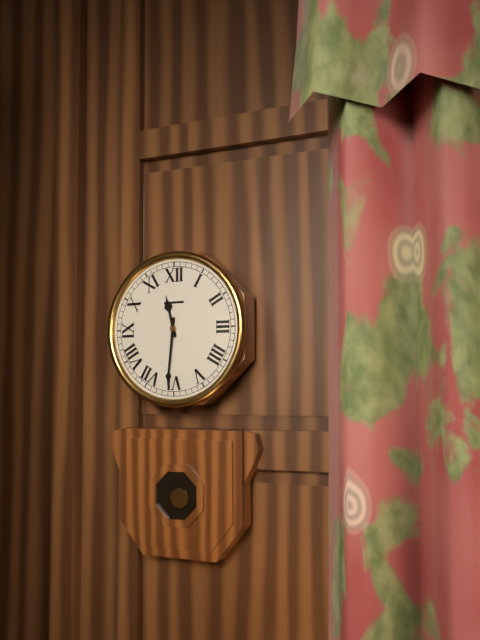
11 h 31 min
